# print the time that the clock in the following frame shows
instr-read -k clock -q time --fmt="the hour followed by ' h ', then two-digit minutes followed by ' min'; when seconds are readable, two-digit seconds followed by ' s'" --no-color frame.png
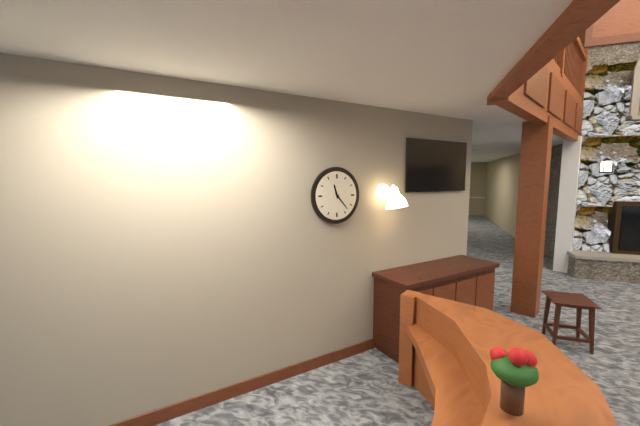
11 h 23 min
